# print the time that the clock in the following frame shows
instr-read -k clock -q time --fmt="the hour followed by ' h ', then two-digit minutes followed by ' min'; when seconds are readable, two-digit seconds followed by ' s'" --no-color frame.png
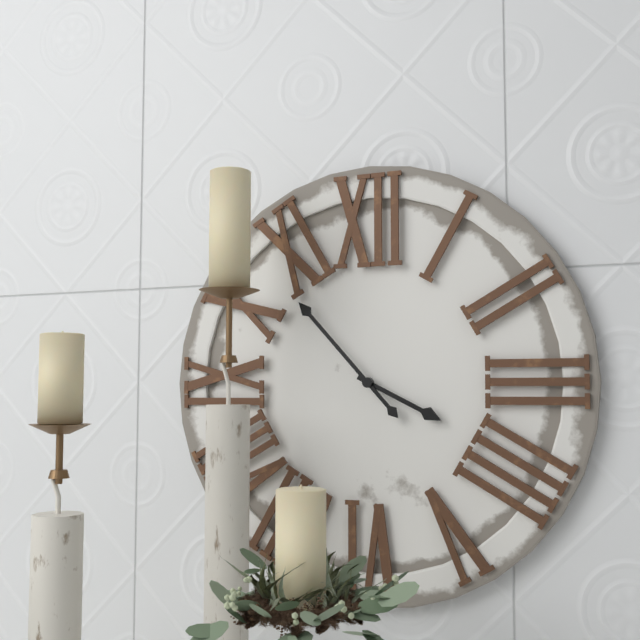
3 h 53 min
